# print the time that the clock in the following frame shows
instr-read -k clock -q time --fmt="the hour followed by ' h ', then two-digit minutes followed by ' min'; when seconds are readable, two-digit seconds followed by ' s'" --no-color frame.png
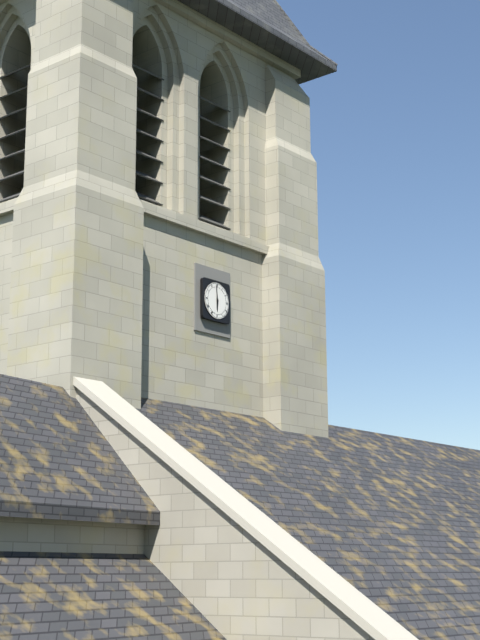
5 h 59 min
